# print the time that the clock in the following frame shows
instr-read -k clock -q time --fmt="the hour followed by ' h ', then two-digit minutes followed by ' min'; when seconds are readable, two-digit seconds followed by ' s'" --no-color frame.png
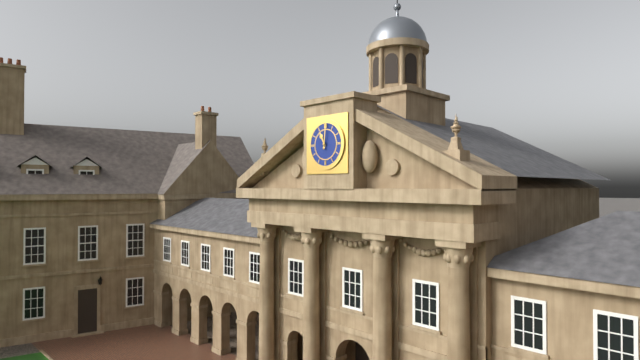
11 h 01 min
